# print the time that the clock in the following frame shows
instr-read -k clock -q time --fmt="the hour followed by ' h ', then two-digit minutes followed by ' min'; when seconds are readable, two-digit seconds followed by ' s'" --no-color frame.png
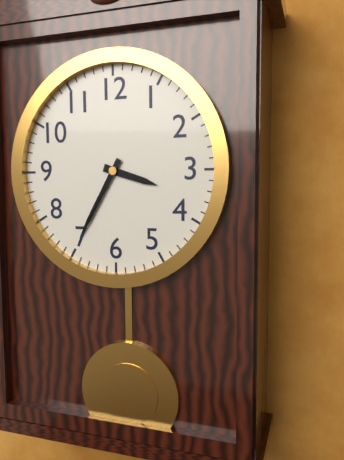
3 h 35 min
